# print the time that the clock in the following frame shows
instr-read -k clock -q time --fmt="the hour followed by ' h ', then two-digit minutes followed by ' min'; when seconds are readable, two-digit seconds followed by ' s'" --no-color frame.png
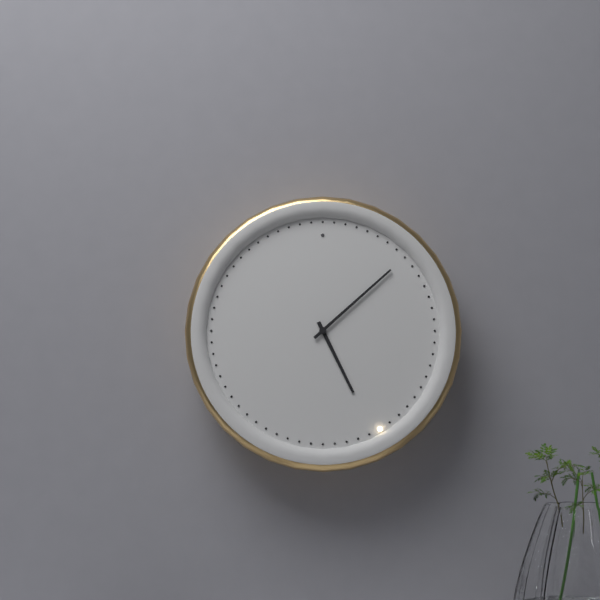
5 h 08 min
